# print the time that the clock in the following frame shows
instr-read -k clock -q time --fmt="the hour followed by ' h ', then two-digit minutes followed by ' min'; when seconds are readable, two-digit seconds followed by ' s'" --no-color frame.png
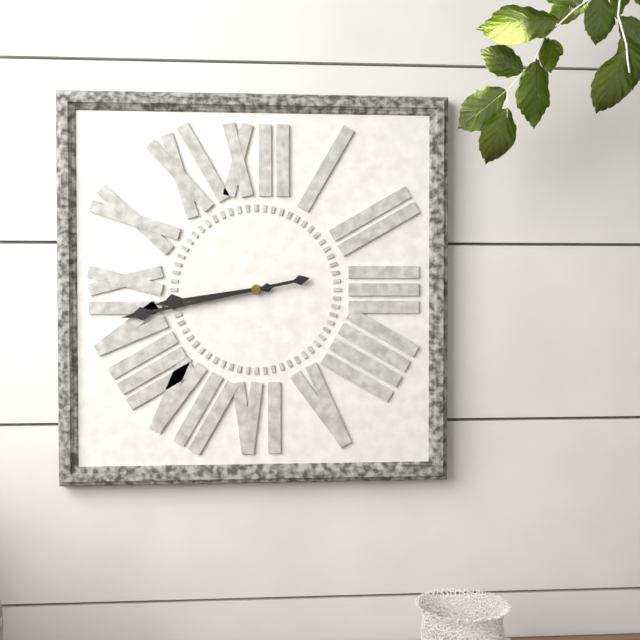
8 h 43 min
